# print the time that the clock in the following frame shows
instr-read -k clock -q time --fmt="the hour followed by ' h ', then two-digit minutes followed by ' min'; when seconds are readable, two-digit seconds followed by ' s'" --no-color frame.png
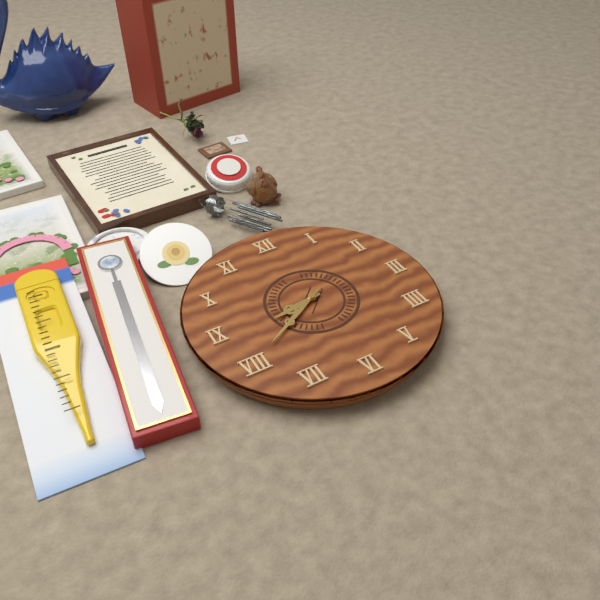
8 h 40 min
